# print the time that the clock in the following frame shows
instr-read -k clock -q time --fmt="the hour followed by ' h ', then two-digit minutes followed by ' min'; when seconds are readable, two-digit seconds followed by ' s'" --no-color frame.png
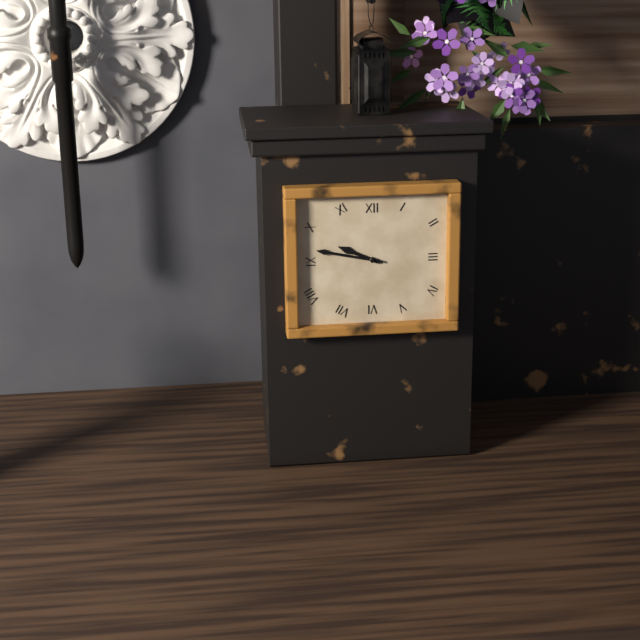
9 h 47 min
